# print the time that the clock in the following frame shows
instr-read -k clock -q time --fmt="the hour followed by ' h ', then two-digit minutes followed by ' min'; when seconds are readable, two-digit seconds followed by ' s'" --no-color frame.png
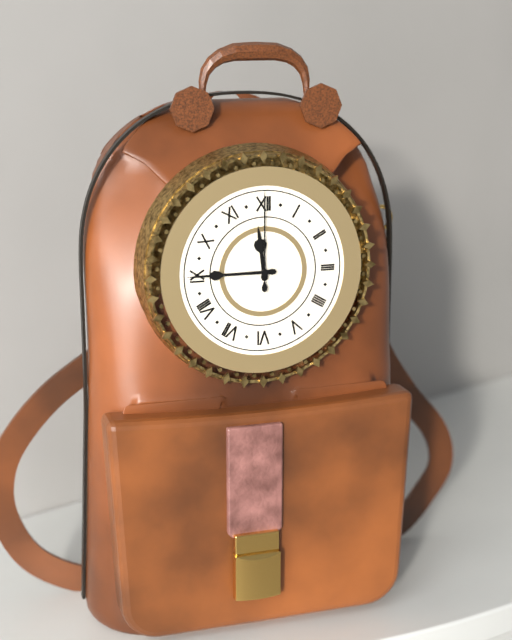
11 h 45 min 00 s
